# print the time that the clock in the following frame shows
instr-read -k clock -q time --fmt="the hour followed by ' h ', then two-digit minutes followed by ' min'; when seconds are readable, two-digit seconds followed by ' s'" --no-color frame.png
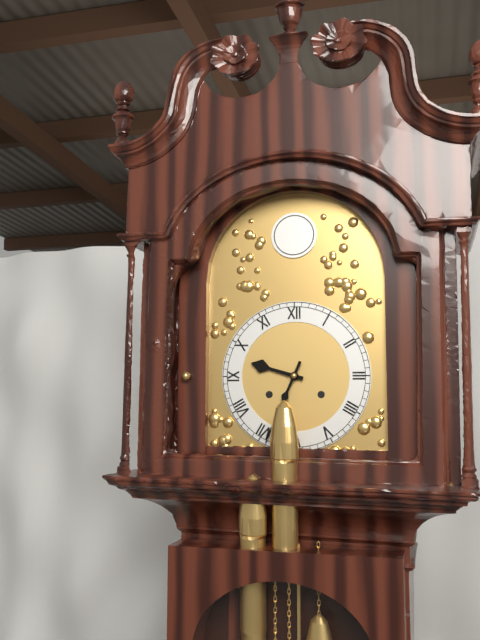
9 h 34 min
